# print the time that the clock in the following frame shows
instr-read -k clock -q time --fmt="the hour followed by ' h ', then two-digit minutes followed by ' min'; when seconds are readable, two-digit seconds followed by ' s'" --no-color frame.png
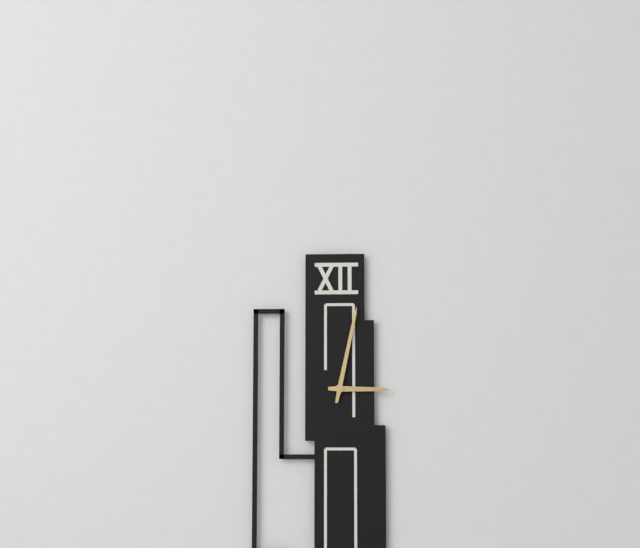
3 h 02 min
